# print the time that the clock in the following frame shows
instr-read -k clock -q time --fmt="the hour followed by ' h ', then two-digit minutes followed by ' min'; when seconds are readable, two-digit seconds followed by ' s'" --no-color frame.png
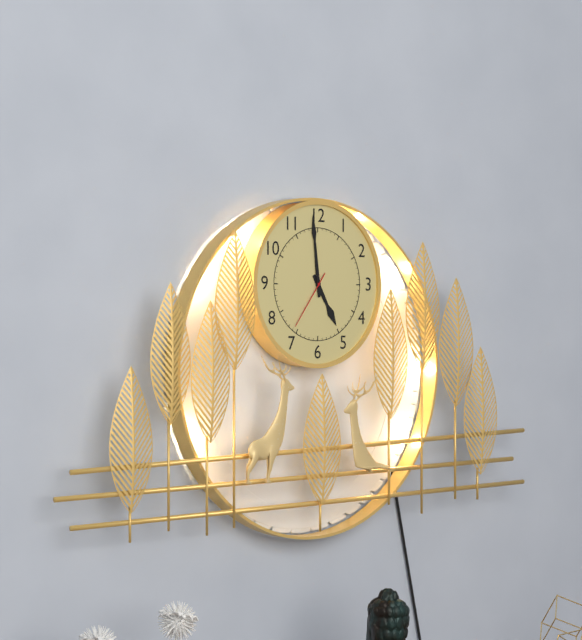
4 h 59 min 36 s
